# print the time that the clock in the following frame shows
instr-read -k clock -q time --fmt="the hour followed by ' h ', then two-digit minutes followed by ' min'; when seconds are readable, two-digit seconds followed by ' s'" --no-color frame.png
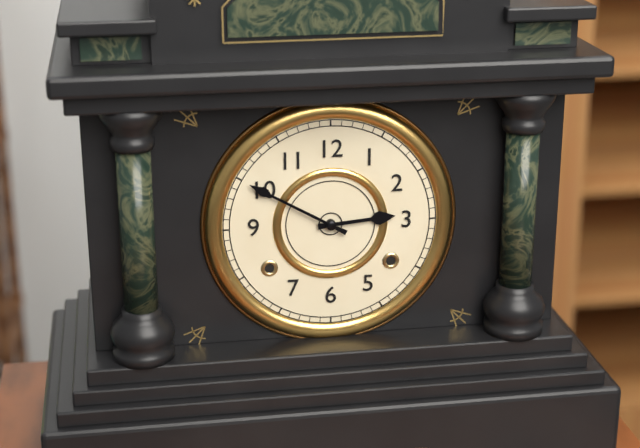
2 h 50 min
